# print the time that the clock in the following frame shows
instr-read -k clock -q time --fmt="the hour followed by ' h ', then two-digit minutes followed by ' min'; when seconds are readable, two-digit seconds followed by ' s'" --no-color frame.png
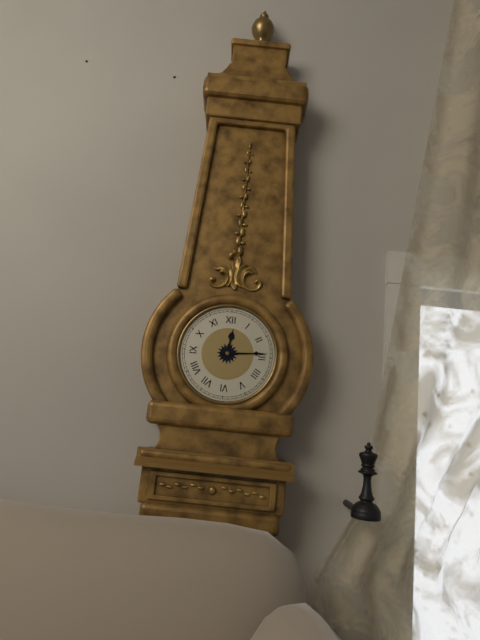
12 h 14 min
